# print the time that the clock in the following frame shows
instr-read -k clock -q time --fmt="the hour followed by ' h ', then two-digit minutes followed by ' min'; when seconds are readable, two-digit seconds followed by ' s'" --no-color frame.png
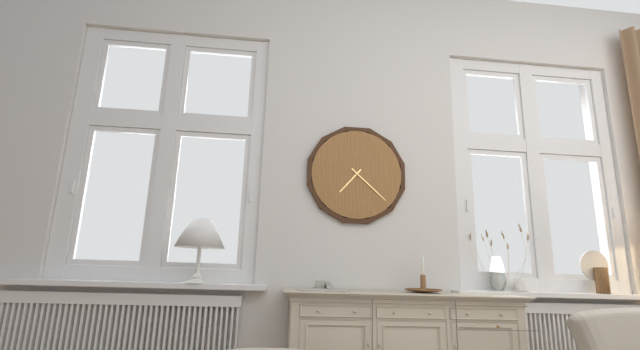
7 h 22 min
